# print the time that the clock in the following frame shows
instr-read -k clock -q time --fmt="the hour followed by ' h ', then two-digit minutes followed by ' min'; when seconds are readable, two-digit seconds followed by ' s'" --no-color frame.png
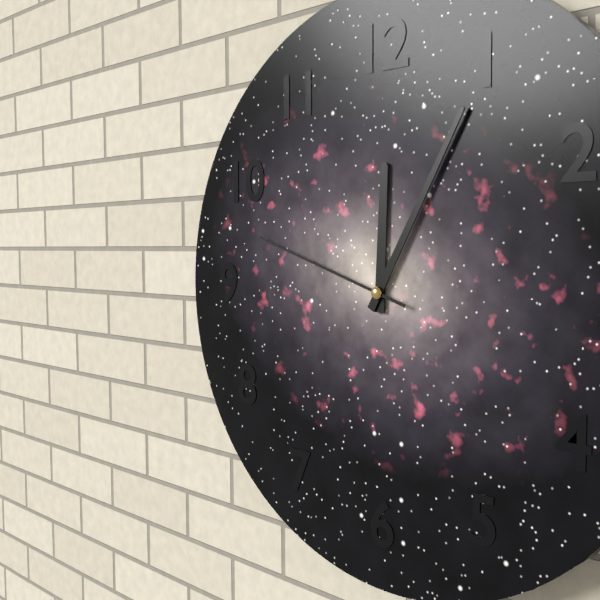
12 h 05 min 48 s
